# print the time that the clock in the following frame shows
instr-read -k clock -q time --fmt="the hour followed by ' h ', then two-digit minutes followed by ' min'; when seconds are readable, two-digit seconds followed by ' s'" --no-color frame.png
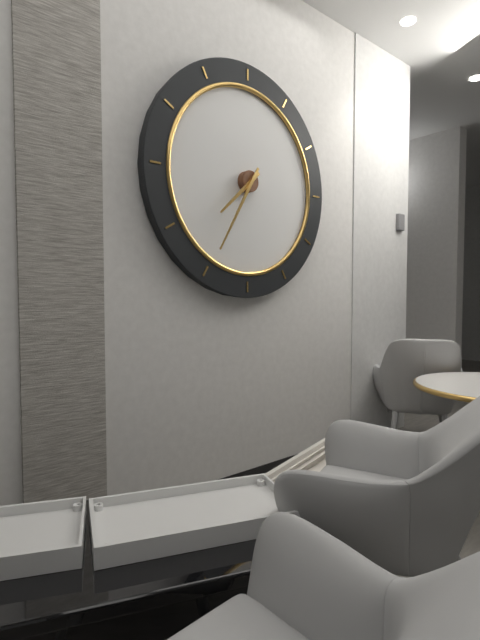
7 h 35 min
